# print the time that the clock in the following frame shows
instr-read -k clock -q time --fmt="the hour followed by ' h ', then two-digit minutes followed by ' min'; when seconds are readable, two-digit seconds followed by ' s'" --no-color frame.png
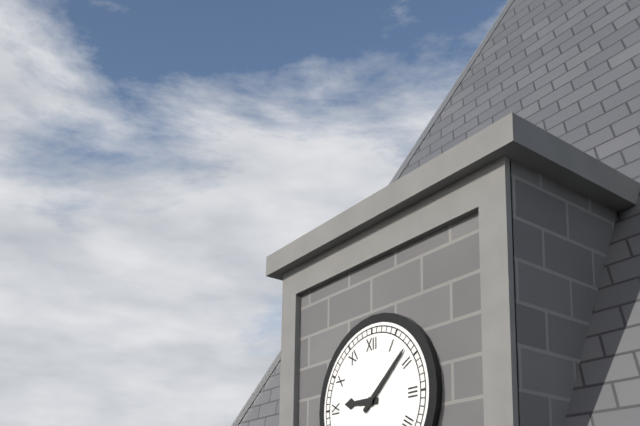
9 h 08 min
